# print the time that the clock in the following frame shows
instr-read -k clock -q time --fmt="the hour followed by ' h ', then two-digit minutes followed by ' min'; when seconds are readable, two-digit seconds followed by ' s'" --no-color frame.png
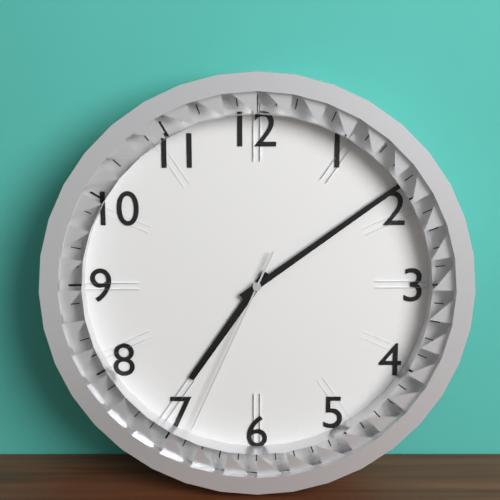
7 h 09 min 34 s
